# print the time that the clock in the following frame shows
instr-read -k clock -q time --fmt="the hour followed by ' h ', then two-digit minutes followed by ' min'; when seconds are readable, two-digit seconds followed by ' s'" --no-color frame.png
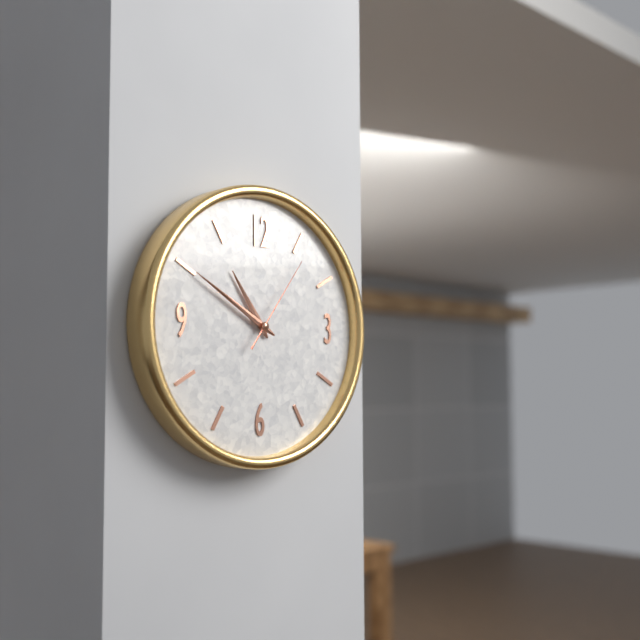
10 h 50 min 06 s
